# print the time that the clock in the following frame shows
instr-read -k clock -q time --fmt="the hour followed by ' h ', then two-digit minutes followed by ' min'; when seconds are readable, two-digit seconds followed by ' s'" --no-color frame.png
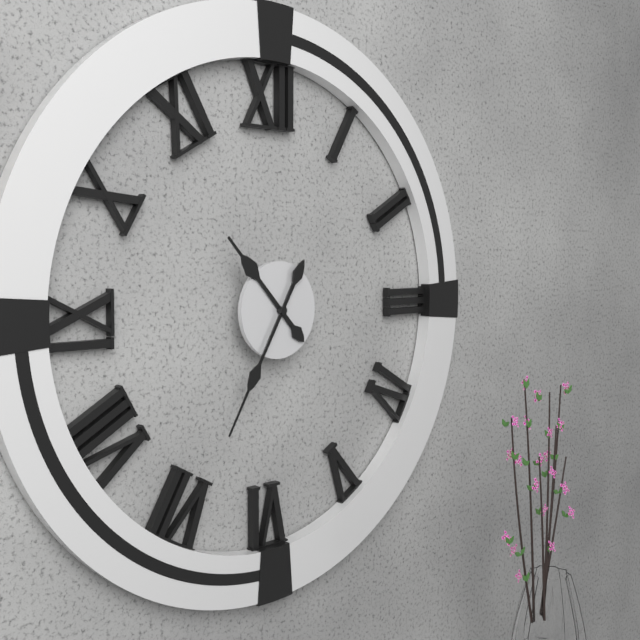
10 h 35 min
